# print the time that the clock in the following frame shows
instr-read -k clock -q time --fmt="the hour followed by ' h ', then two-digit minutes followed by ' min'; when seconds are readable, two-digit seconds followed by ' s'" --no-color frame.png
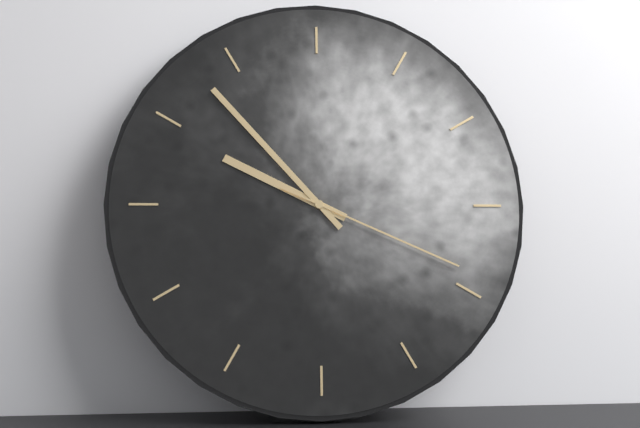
9 h 53 min 19 s
